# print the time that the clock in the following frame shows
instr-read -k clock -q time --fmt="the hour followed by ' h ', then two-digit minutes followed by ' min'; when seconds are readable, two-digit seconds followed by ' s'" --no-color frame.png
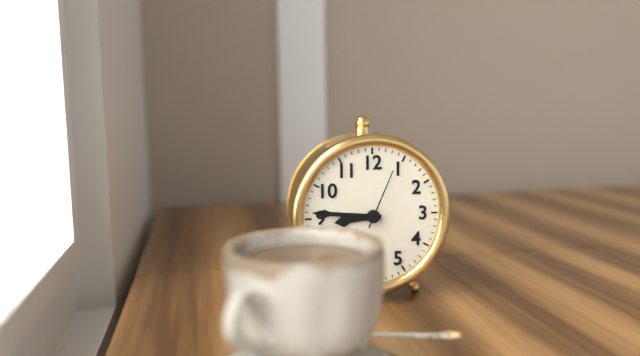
8 h 46 min 04 s
